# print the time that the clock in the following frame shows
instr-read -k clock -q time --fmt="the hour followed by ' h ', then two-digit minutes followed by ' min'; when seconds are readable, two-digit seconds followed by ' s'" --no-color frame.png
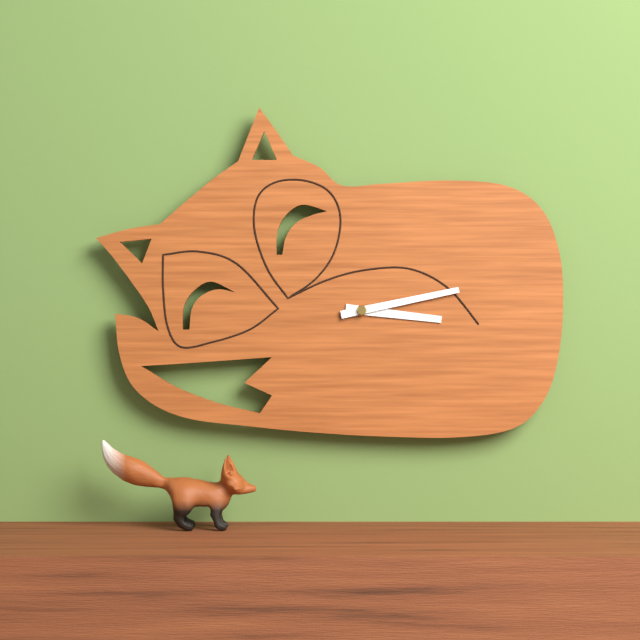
3 h 13 min
